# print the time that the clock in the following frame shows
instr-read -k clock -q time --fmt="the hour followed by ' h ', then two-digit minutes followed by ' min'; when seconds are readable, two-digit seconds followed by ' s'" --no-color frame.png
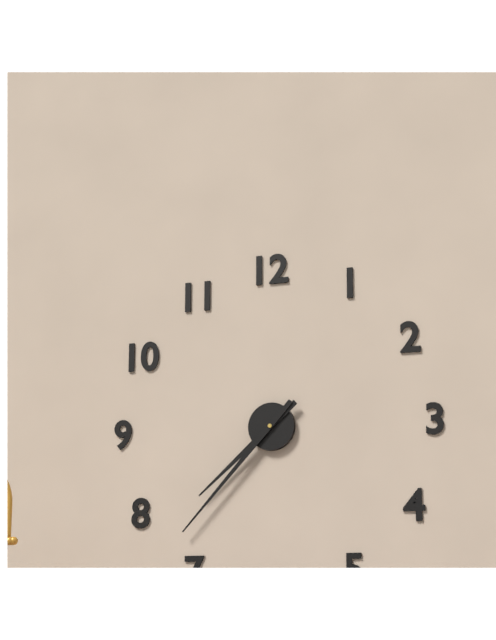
7 h 37 min
